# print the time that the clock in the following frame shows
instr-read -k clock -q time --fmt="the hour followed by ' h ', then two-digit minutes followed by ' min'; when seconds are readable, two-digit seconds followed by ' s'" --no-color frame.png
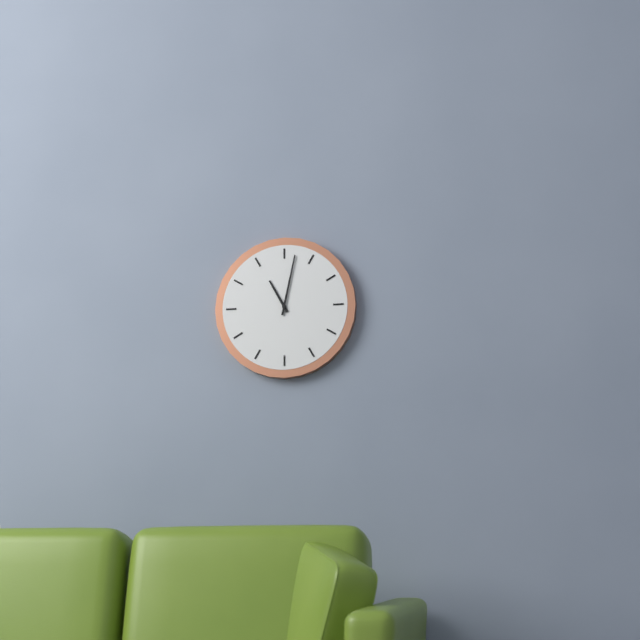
11 h 02 min
